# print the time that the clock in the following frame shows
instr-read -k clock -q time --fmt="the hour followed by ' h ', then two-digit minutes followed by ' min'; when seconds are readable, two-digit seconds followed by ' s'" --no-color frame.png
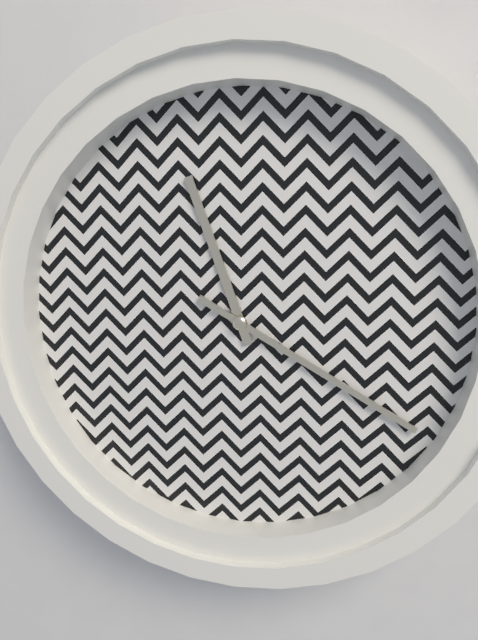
11 h 20 min
